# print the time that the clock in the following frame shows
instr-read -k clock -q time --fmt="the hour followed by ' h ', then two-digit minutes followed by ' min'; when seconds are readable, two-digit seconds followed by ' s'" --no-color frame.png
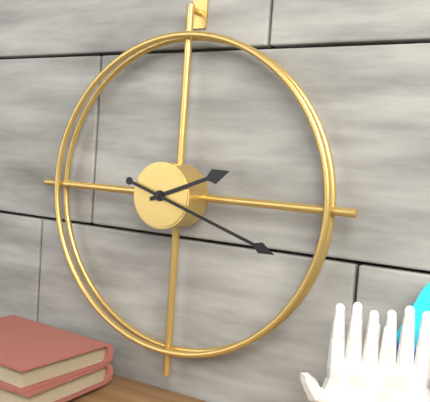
2 h 18 min
